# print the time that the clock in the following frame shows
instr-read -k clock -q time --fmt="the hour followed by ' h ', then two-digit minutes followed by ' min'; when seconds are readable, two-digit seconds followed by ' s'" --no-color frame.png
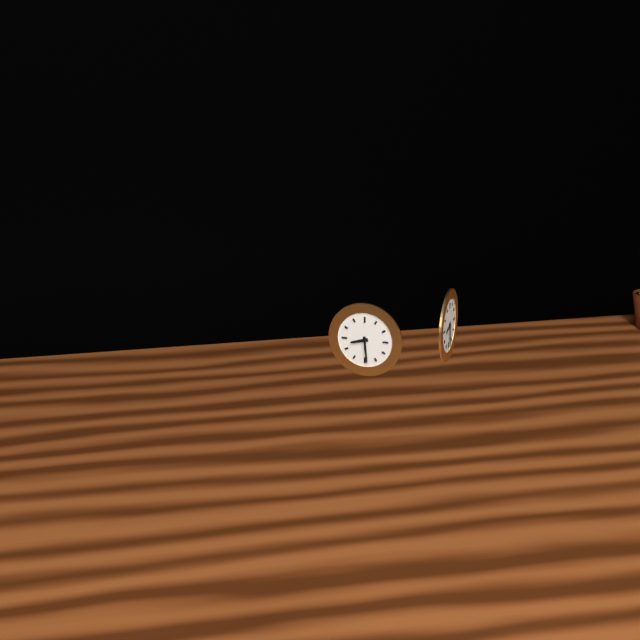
8 h 29 min
